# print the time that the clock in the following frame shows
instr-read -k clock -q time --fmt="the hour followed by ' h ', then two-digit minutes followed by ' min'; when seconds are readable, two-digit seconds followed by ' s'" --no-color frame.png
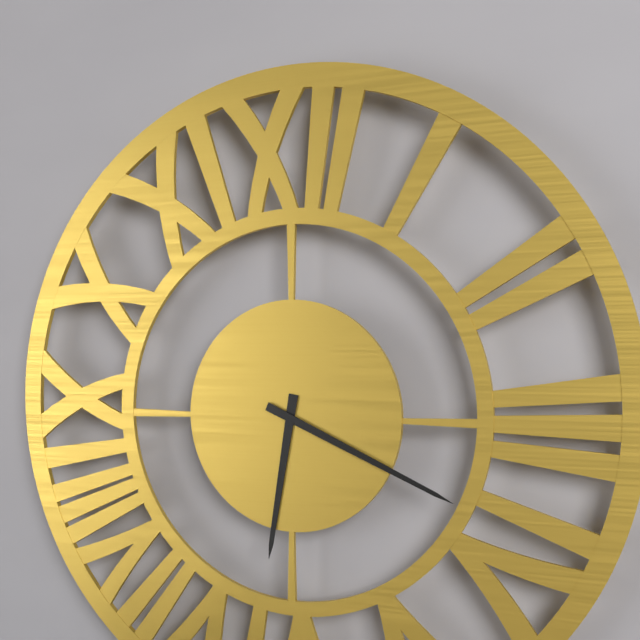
6 h 19 min
